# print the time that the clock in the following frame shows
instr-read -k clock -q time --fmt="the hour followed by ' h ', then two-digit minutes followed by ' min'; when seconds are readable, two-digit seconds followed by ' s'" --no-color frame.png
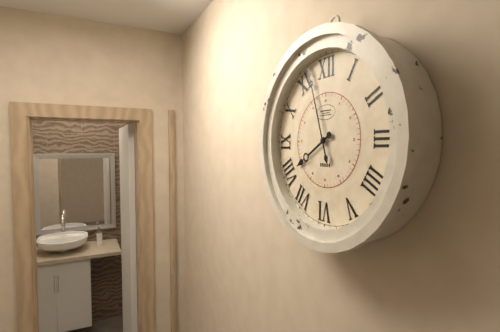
7 h 57 min
